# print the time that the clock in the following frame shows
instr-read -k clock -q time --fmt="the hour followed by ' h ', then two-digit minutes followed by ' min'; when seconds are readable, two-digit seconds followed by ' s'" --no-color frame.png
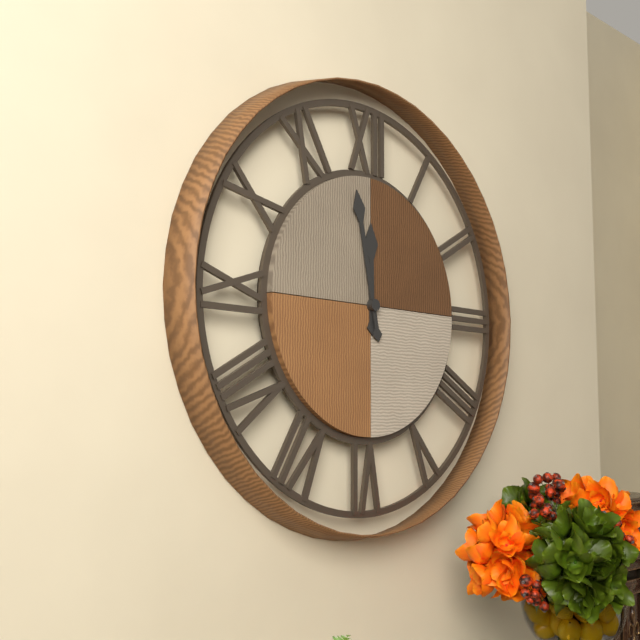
11 h 58 min
